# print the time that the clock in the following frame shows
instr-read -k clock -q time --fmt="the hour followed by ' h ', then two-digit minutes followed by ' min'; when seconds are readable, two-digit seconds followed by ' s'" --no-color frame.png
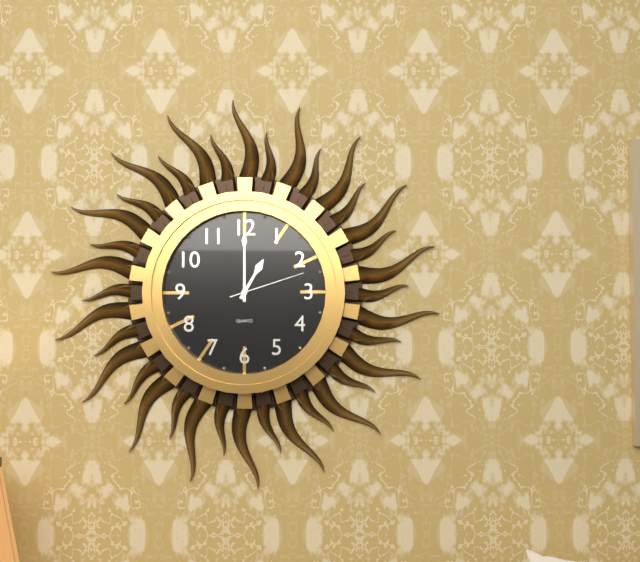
1 h 00 min 12 s
